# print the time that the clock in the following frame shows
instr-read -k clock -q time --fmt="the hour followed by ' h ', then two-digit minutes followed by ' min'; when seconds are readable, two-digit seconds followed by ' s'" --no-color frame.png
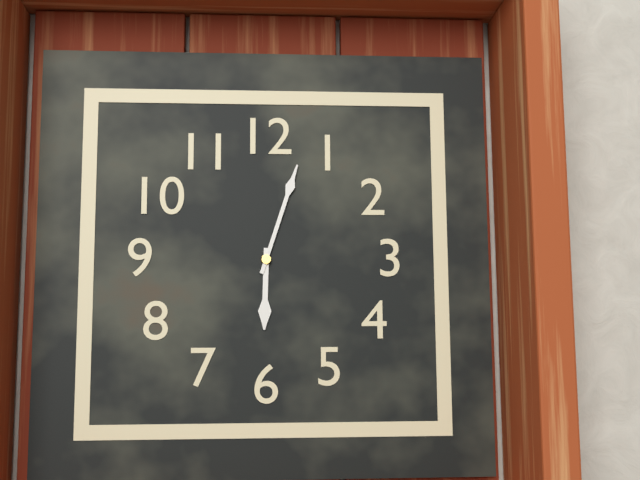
6 h 03 min
